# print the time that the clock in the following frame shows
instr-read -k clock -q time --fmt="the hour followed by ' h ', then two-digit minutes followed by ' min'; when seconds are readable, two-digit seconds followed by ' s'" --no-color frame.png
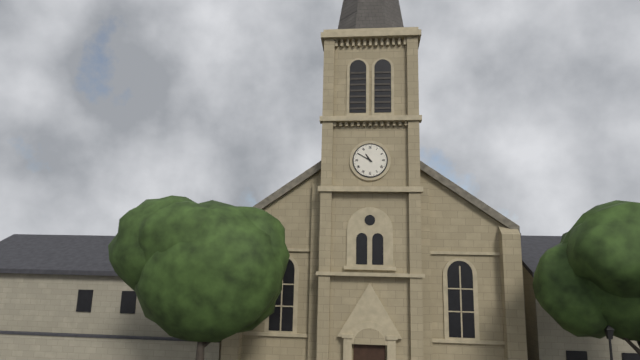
10 h 50 min
